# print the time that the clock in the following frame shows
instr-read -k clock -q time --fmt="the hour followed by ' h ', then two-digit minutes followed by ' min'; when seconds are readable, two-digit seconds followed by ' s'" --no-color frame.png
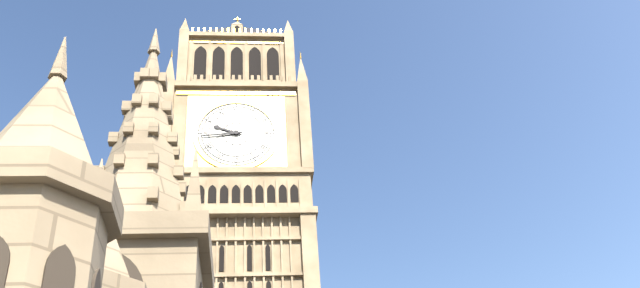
9 h 44 min
